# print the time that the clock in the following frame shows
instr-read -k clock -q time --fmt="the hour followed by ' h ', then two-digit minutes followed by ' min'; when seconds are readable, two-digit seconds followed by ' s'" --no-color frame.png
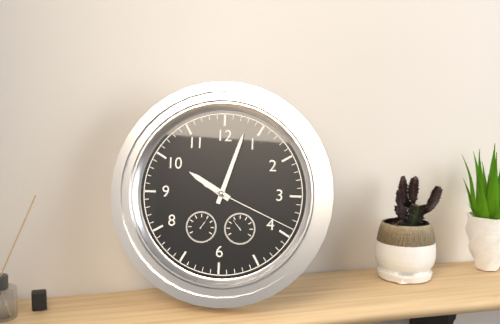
10 h 03 min 19 s
